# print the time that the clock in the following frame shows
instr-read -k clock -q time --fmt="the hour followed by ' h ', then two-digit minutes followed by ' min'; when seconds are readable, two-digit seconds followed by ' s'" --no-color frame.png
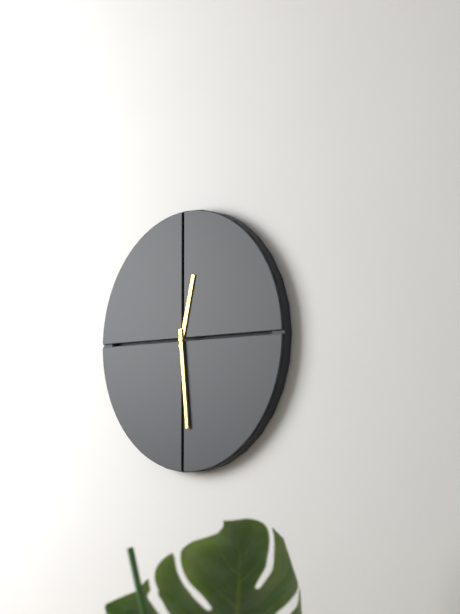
12 h 29 min
